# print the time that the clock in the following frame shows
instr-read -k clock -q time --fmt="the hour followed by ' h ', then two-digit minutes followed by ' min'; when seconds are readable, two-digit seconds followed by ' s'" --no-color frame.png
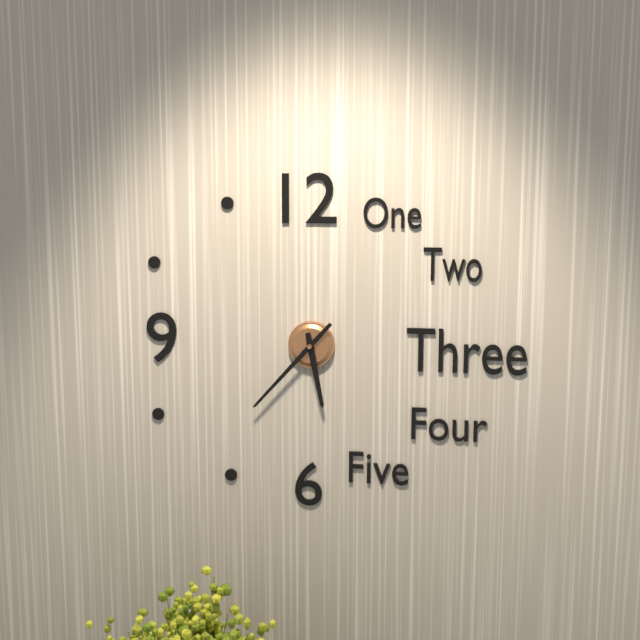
5 h 37 min
